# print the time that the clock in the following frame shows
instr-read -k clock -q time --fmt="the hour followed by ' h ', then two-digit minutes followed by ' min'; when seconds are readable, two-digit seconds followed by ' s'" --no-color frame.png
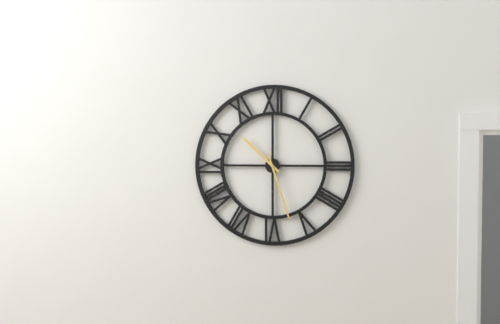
10 h 27 min
